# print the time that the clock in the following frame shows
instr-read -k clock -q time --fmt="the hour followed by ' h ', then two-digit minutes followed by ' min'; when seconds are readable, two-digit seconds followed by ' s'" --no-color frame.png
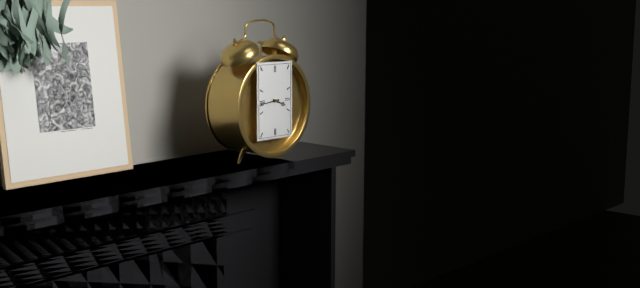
3 h 44 min
